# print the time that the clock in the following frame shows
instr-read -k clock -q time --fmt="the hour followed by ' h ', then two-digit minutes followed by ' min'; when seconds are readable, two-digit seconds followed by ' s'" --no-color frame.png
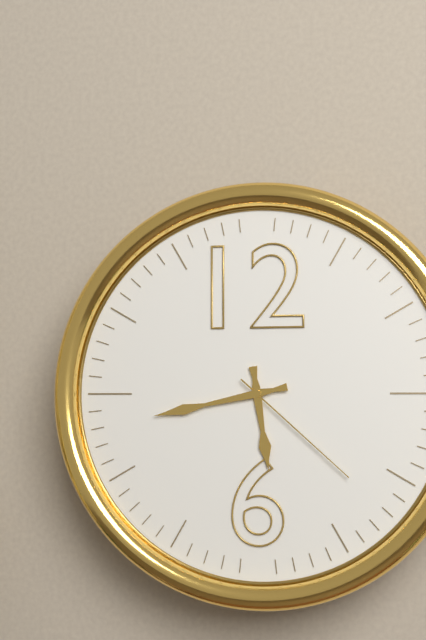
5 h 43 min 22 s
